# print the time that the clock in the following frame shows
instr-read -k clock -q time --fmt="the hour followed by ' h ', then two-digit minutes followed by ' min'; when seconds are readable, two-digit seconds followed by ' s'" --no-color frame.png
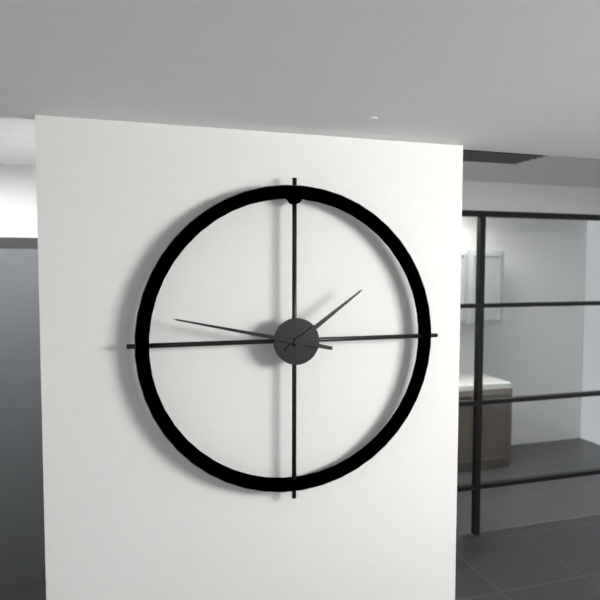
1 h 47 min
